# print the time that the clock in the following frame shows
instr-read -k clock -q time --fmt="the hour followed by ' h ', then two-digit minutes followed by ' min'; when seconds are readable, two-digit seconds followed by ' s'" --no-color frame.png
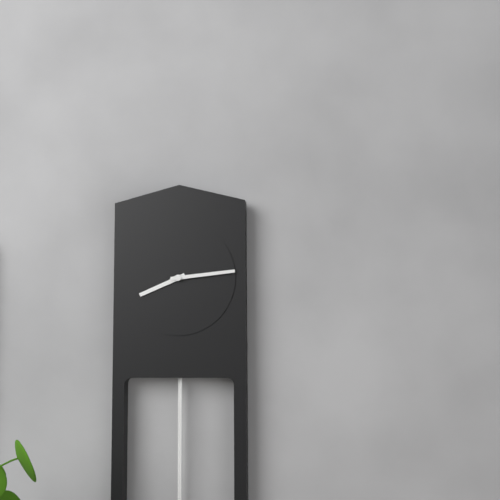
8 h 14 min
